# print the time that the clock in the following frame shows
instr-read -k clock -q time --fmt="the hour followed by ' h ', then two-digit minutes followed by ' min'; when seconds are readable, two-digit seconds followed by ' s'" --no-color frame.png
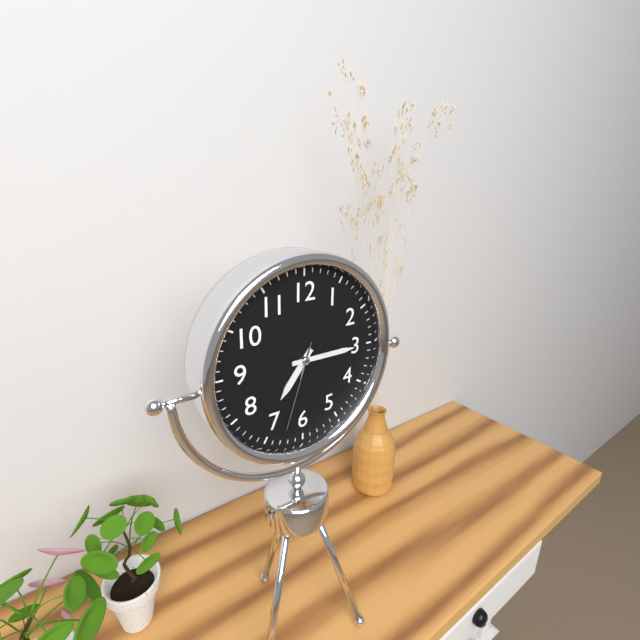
7 h 15 min 33 s
